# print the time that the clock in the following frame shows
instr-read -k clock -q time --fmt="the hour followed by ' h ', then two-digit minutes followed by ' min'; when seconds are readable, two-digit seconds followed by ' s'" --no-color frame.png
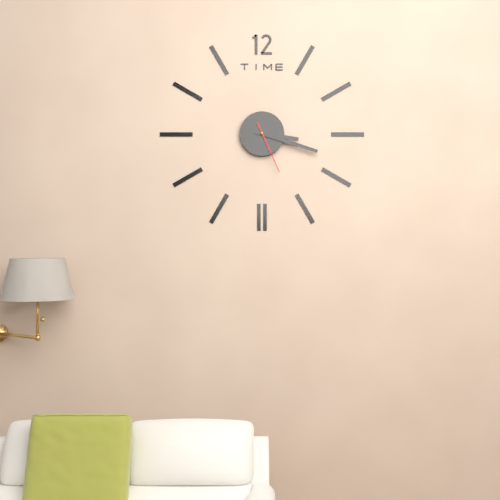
3 h 18 min 26 s
